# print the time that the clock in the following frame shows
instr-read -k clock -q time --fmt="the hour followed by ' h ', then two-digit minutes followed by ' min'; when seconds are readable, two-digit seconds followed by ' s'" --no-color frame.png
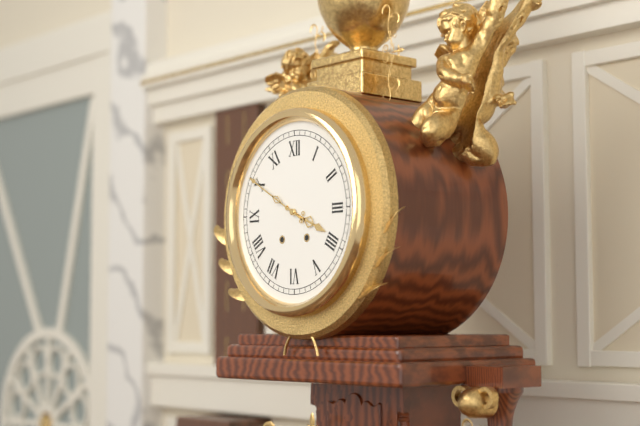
3 h 50 min
